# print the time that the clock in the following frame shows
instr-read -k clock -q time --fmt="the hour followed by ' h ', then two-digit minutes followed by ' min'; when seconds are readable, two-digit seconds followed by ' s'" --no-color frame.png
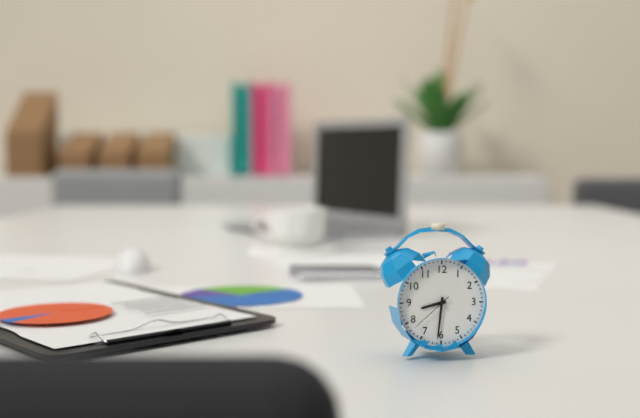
8 h 31 min
